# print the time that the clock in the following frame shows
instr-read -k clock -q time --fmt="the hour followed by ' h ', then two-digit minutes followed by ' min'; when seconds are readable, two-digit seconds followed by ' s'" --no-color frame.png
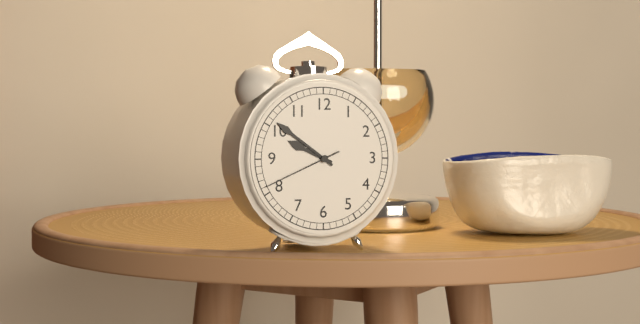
9 h 51 min 41 s
